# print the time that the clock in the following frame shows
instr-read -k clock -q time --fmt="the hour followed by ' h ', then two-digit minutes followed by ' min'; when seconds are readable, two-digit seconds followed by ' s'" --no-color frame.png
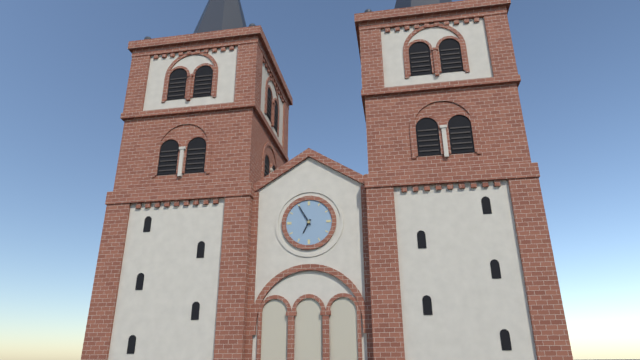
6 h 55 min
